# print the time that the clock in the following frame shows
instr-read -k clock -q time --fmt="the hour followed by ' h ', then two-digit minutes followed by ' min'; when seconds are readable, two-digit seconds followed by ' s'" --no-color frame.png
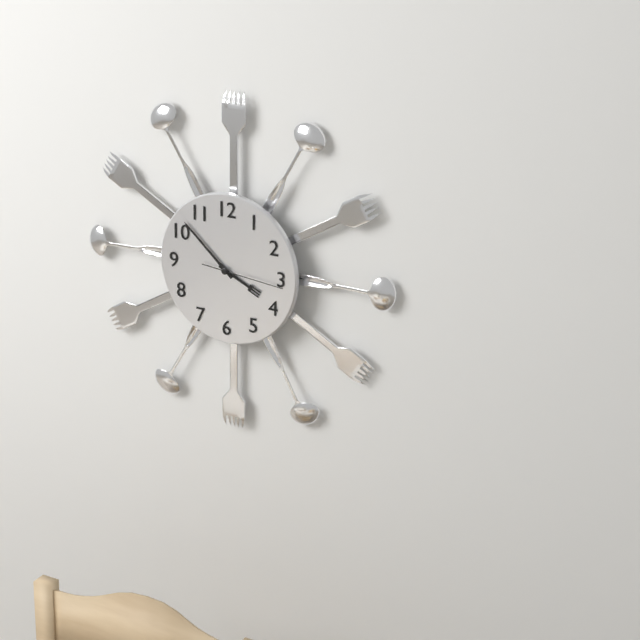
3 h 52 min 16 s
